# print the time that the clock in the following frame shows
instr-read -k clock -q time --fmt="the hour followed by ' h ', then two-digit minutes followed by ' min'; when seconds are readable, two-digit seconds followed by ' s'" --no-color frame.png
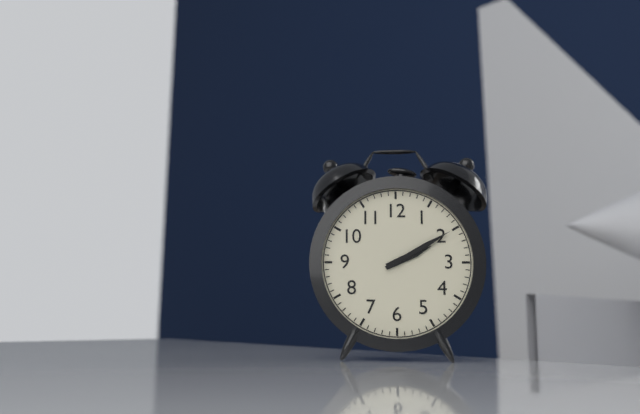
2 h 10 min
